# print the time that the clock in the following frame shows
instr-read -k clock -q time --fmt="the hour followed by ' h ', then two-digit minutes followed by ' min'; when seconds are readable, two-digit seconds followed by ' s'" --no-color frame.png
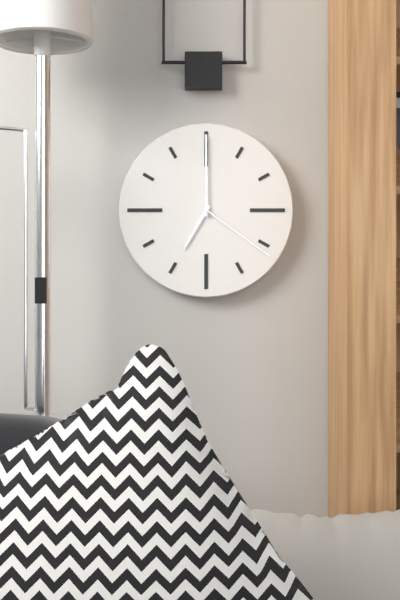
7 h 00 min 21 s
